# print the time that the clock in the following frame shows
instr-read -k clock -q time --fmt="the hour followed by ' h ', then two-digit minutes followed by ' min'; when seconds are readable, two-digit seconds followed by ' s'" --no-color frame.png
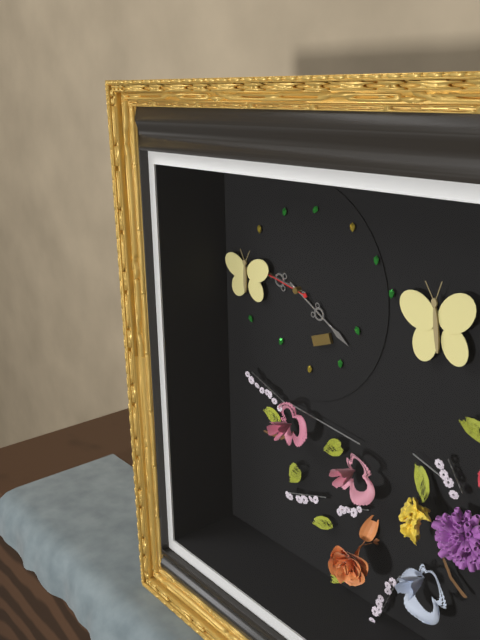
9 h 20 min
